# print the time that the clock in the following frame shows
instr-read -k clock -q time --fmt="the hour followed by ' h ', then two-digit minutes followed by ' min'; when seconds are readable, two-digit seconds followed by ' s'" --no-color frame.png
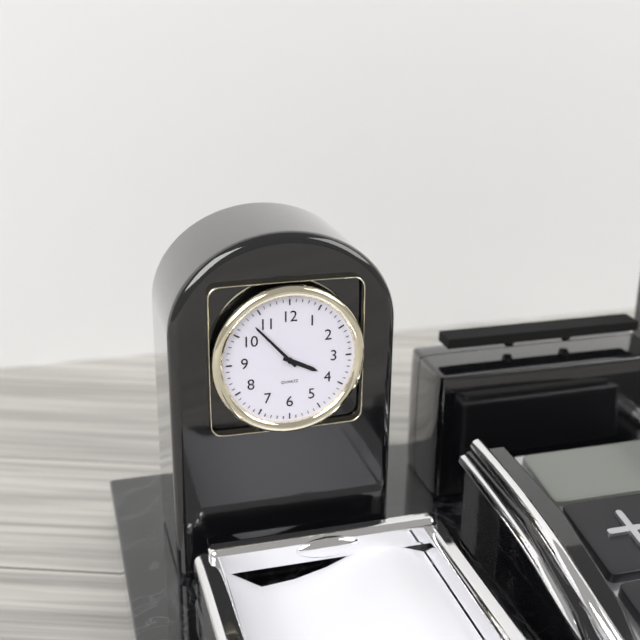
3 h 53 min
